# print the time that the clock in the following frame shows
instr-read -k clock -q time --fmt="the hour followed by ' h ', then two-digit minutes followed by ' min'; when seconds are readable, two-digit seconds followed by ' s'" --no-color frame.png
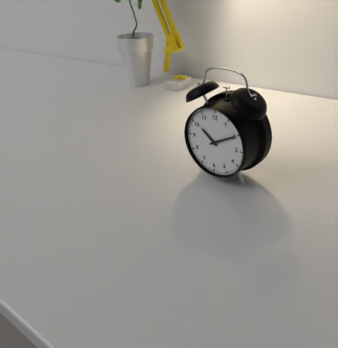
10 h 10 min
